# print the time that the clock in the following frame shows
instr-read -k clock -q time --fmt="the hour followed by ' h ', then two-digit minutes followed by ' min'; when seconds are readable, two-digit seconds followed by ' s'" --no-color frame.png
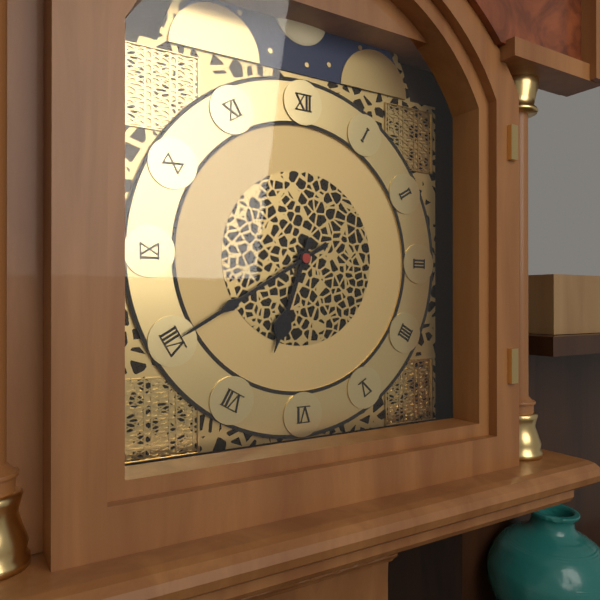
6 h 40 min
